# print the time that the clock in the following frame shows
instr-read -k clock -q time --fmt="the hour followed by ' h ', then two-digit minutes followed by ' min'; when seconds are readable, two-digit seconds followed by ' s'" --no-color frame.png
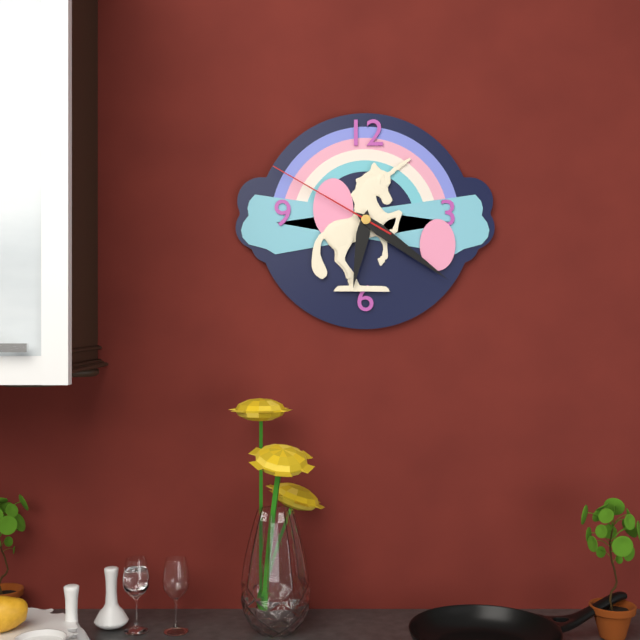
6 h 21 min 50 s
